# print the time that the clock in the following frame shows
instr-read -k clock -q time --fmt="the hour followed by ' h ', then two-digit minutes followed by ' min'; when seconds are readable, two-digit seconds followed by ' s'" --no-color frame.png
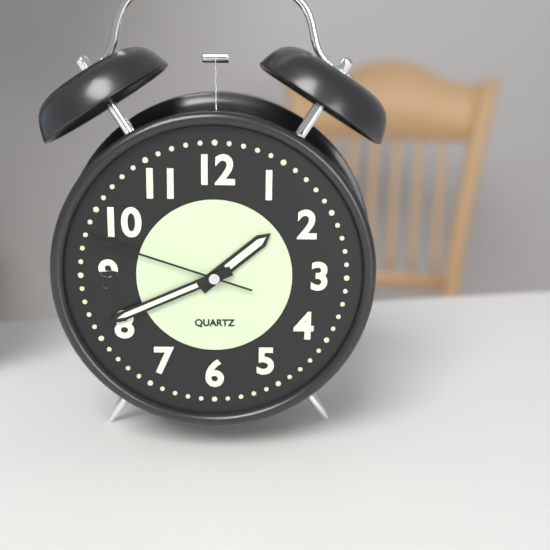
1 h 41 min 48 s
